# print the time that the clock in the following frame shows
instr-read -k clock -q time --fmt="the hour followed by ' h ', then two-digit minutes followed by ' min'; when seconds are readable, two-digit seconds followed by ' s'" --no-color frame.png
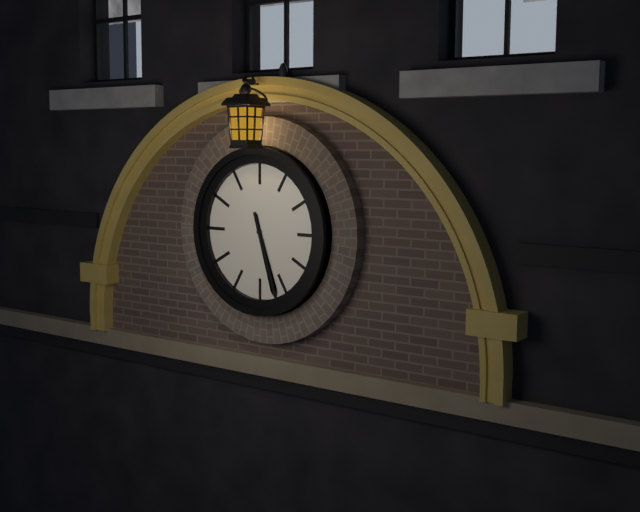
5 h 27 min
